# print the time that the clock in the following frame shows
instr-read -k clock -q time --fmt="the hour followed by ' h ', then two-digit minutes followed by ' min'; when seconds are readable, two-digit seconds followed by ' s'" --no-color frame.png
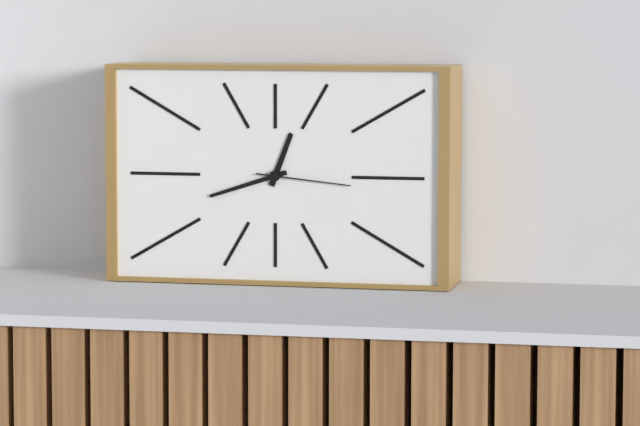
12 h 42 min 16 s
